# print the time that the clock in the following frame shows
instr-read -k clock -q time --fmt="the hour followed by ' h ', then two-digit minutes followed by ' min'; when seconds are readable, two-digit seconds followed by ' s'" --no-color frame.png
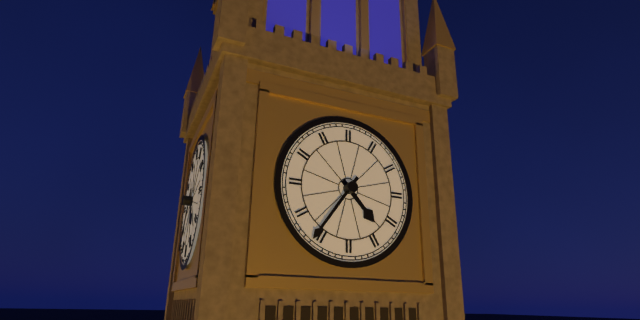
4 h 36 min
